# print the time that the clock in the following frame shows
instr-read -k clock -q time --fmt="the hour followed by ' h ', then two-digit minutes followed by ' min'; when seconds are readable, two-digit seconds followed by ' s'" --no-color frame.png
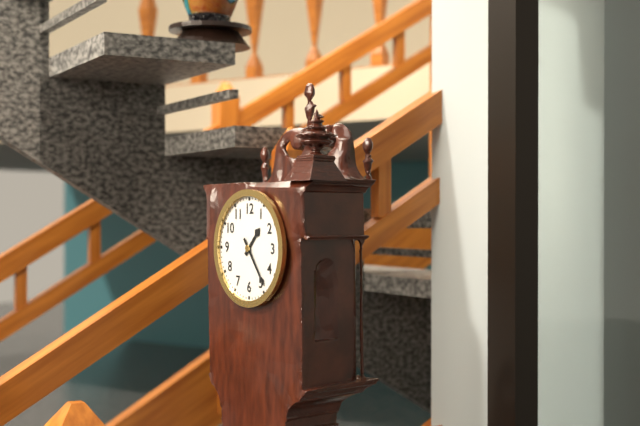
1 h 24 min
